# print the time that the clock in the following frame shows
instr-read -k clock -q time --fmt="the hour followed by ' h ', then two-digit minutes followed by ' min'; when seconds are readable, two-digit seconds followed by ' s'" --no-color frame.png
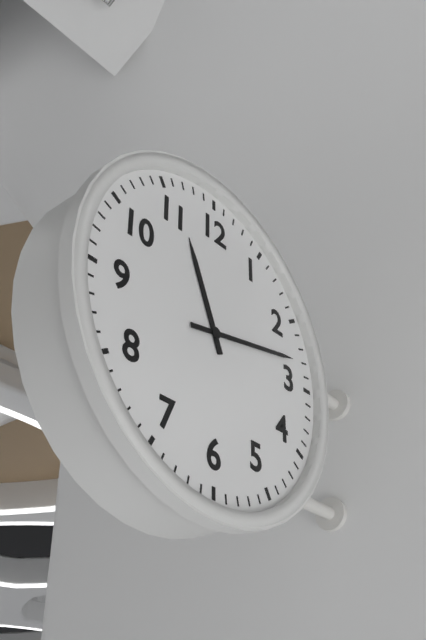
11 h 13 min
